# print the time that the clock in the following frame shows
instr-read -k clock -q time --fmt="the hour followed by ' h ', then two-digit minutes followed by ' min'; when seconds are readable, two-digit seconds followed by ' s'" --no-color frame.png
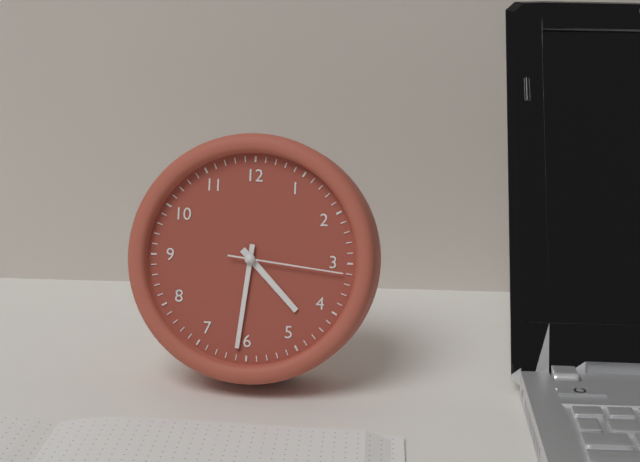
4 h 31 min 16 s
